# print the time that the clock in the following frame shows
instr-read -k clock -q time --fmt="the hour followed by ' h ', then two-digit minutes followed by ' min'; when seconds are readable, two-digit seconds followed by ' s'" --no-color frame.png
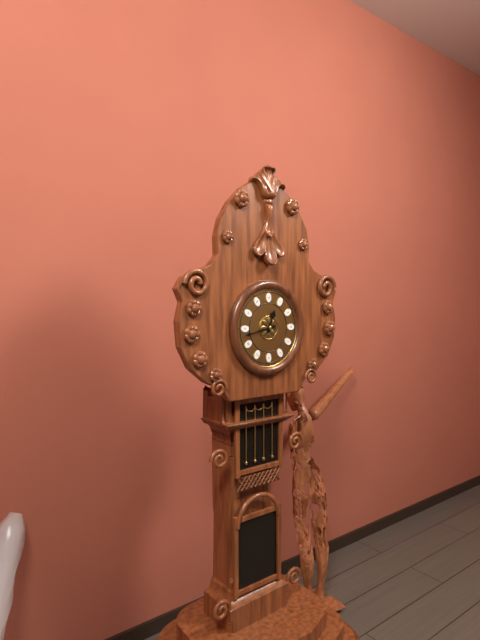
12 h 43 min
